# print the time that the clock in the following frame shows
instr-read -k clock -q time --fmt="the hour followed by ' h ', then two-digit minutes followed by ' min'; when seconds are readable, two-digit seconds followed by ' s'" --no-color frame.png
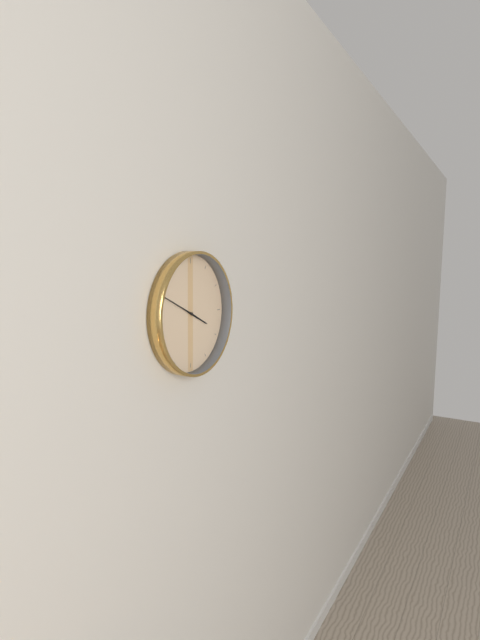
3 h 49 min
